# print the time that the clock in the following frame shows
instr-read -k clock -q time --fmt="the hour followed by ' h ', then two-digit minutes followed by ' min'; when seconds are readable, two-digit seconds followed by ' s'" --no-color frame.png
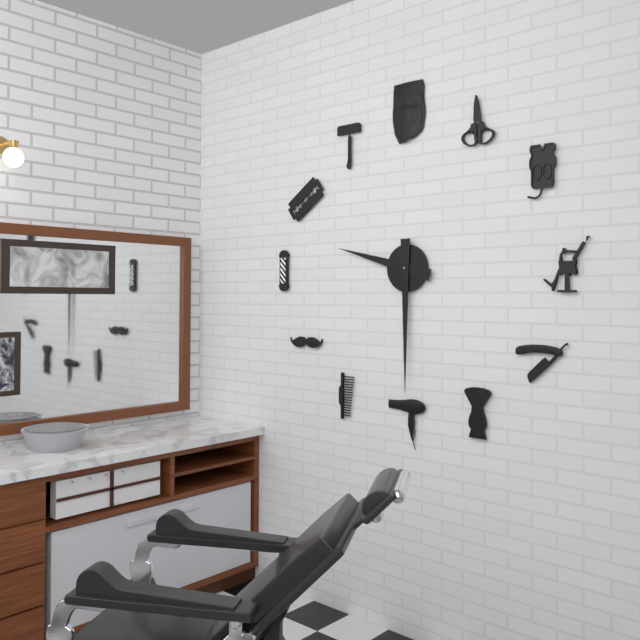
9 h 30 min
